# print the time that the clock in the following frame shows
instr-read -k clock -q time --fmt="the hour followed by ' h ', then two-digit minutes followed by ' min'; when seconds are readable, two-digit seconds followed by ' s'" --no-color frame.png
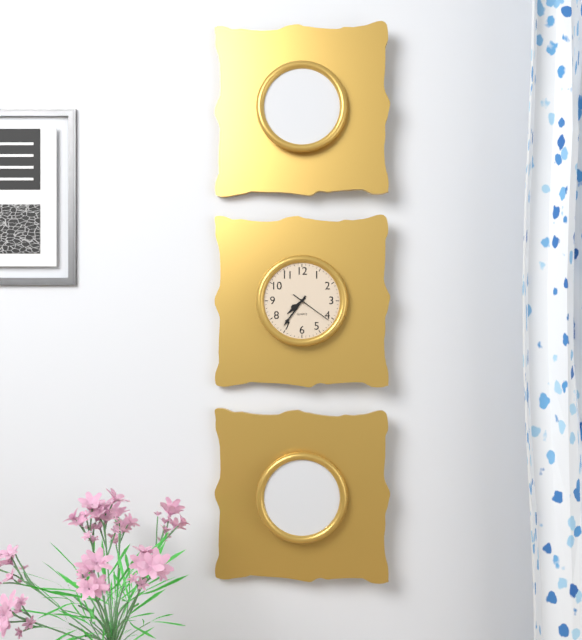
7 h 36 min
